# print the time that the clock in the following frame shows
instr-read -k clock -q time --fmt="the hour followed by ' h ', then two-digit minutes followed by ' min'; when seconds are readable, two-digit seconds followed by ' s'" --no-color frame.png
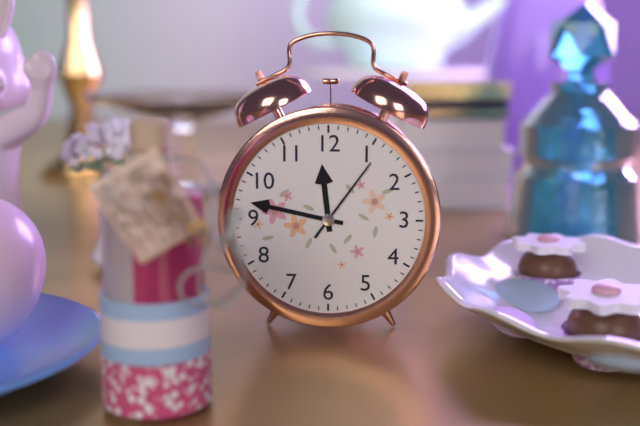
11 h 47 min 06 s
